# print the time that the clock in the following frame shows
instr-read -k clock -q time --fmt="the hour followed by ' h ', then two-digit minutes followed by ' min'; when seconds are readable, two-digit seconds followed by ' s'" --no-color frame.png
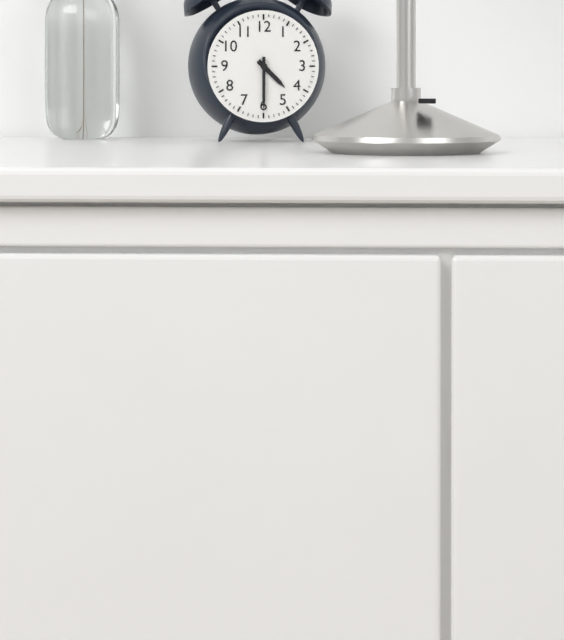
4 h 30 min
